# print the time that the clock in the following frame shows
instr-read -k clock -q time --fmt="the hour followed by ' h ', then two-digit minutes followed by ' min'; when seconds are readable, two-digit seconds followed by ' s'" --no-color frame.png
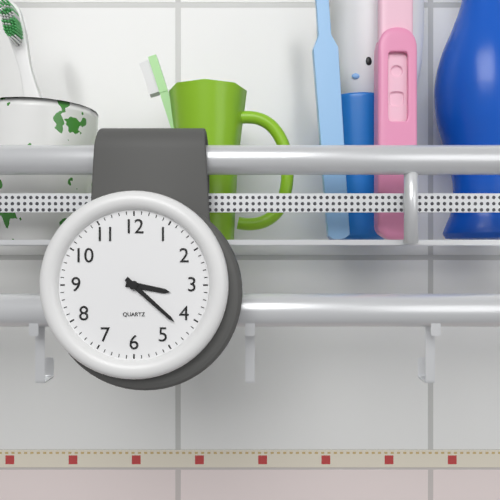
3 h 22 min
